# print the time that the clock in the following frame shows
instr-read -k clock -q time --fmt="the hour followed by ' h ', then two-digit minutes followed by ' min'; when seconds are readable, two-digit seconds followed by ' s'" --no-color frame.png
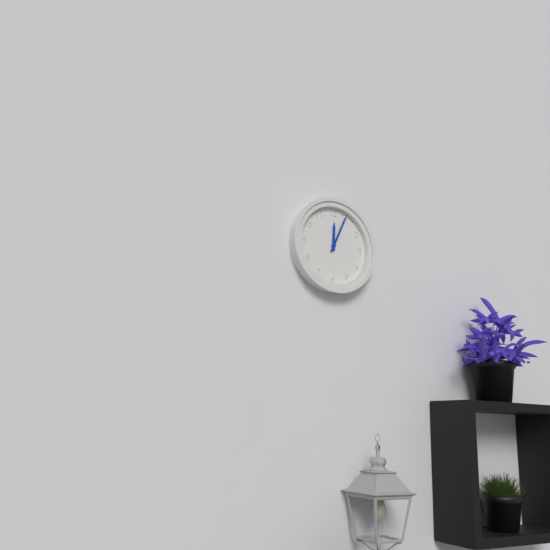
12 h 04 min
